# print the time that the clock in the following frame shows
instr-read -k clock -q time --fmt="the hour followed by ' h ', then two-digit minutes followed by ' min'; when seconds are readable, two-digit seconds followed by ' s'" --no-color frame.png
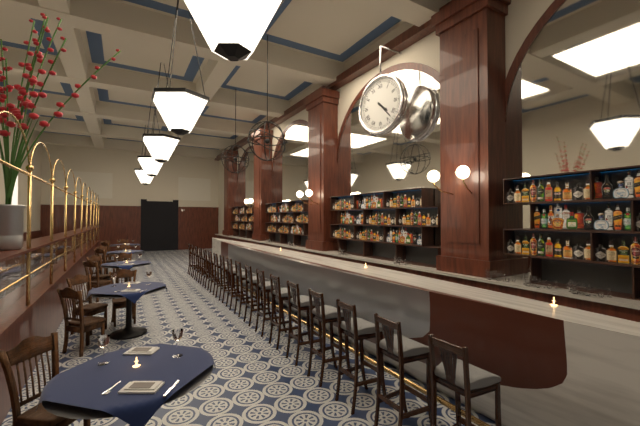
4 h 23 min
